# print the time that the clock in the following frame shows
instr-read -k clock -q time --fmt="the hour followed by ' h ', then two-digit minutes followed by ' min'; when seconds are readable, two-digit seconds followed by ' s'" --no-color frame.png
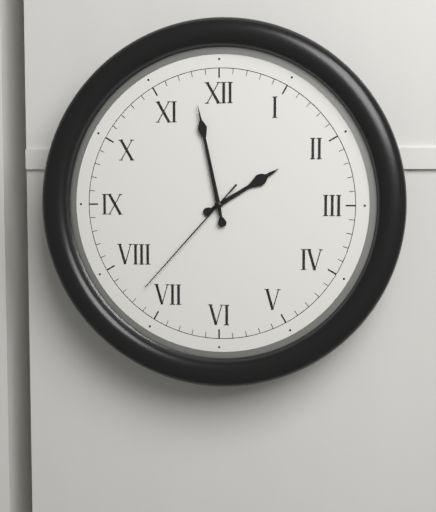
1 h 58 min 37 s
